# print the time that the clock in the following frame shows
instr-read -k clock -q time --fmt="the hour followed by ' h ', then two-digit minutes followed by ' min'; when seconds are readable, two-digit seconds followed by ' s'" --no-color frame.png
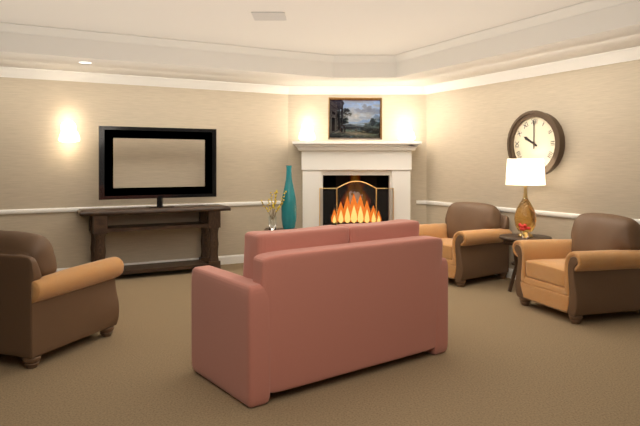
10 h 00 min
